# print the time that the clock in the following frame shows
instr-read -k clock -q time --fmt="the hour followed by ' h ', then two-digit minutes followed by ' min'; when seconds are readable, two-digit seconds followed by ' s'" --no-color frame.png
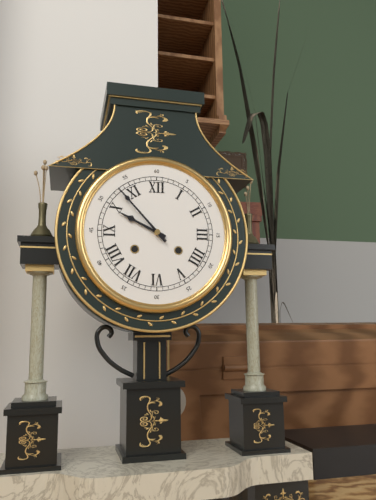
9 h 53 min
